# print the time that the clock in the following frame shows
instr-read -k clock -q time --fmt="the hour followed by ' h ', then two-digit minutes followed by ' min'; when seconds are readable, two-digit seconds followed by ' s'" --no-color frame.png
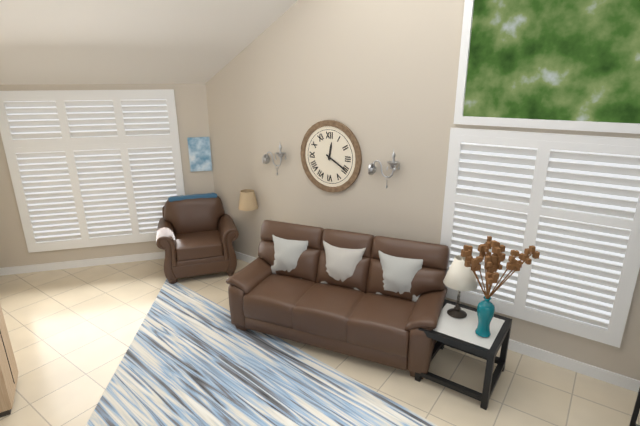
12 h 20 min
